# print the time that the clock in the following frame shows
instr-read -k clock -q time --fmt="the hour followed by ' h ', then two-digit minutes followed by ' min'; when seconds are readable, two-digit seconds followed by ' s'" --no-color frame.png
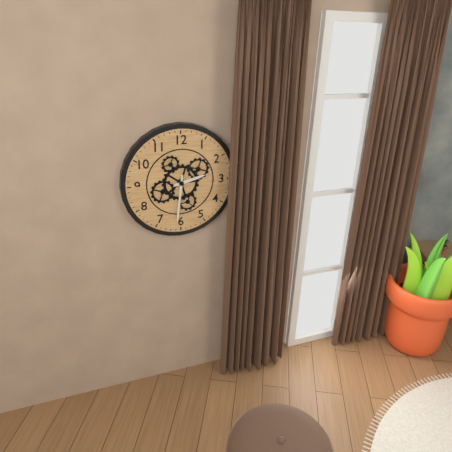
2 h 31 min
